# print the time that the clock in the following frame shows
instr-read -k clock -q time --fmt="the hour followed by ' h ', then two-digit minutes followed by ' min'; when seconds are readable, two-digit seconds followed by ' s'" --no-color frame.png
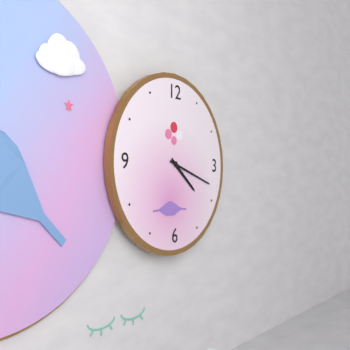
4 h 18 min
